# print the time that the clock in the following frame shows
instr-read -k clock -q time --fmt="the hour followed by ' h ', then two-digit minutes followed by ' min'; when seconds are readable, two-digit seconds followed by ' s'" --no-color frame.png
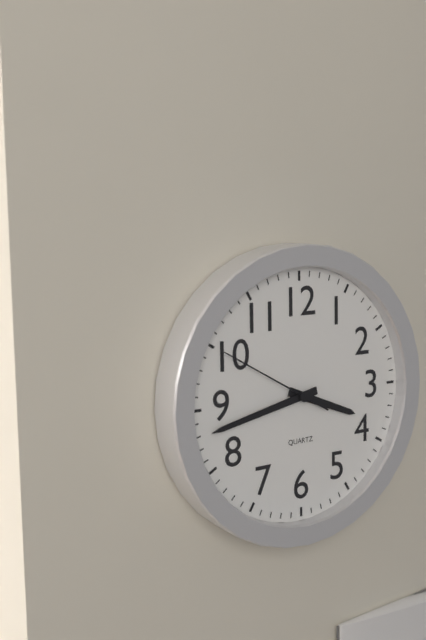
3 h 43 min 50 s
